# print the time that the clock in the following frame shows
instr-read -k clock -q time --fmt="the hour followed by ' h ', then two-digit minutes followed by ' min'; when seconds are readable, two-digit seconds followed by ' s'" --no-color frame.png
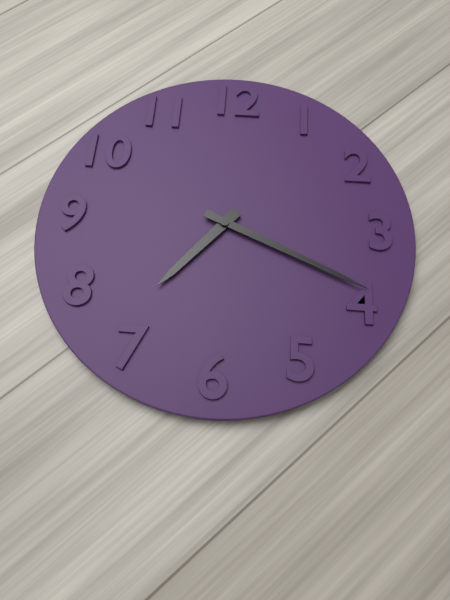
7 h 19 min
